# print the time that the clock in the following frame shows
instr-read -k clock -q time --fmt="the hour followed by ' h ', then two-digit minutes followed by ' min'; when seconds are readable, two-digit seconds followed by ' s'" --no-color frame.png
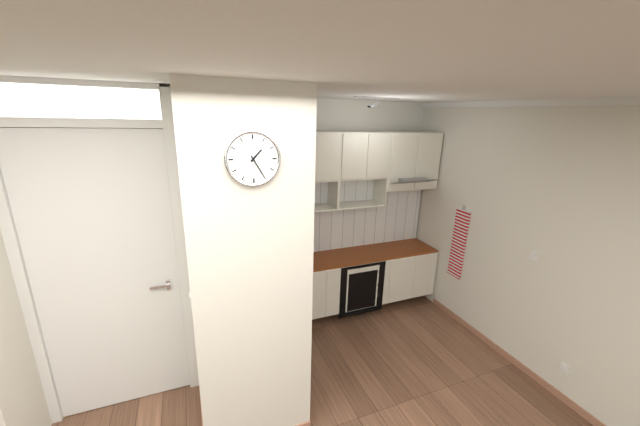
1 h 25 min
